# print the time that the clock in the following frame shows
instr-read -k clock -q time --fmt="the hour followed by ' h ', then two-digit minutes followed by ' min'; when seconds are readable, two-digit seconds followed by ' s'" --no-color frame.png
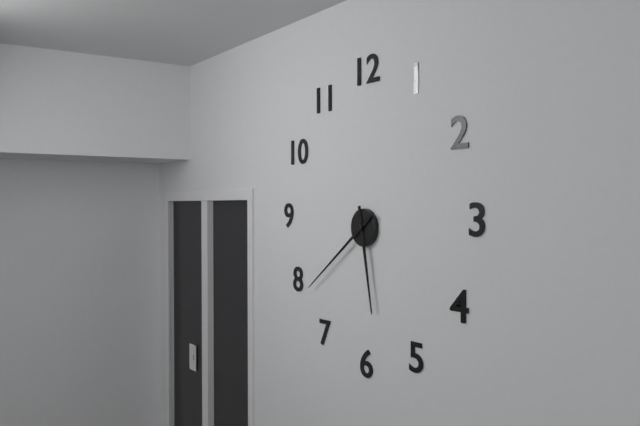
5 h 39 min
